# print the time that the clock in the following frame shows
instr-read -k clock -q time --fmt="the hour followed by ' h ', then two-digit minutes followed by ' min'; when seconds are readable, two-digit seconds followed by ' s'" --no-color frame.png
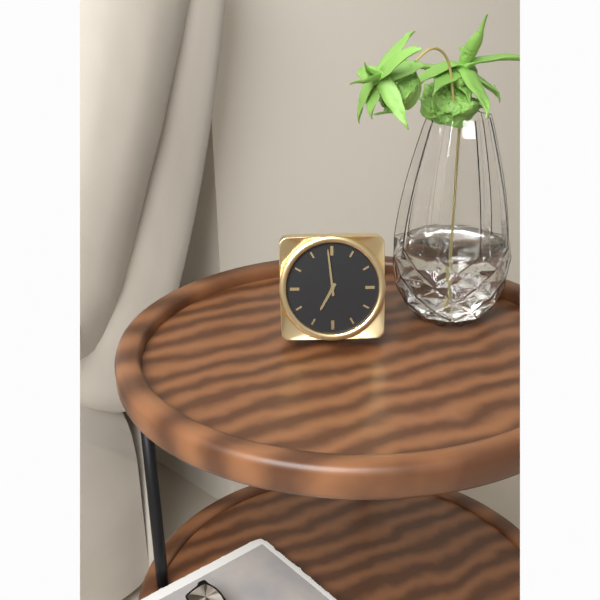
6 h 59 min
